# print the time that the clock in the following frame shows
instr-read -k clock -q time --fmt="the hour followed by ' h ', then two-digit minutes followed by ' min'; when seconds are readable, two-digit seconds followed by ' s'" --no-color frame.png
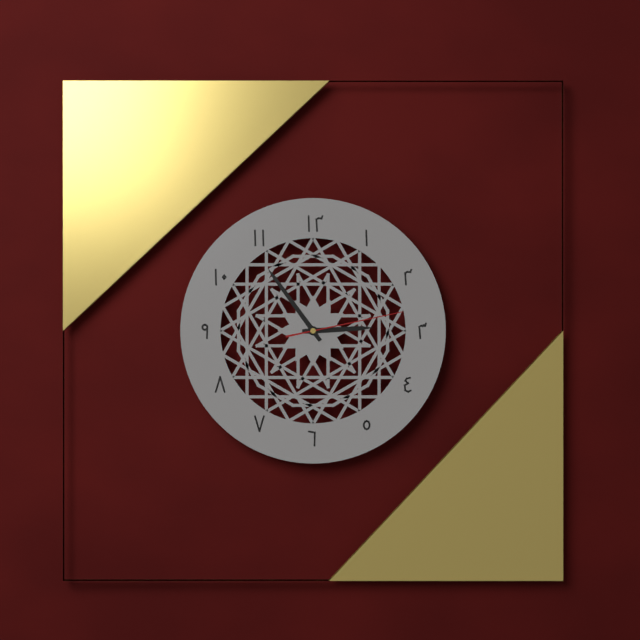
2 h 54 min 13 s
